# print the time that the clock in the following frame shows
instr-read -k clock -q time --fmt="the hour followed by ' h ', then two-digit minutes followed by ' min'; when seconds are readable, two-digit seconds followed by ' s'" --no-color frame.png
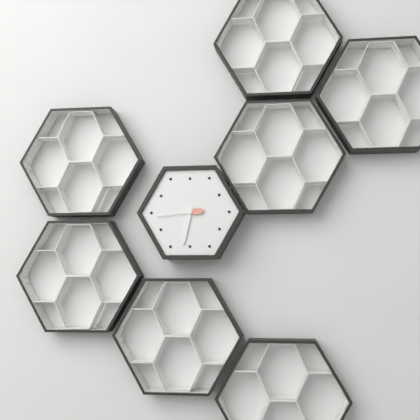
6 h 32 min
